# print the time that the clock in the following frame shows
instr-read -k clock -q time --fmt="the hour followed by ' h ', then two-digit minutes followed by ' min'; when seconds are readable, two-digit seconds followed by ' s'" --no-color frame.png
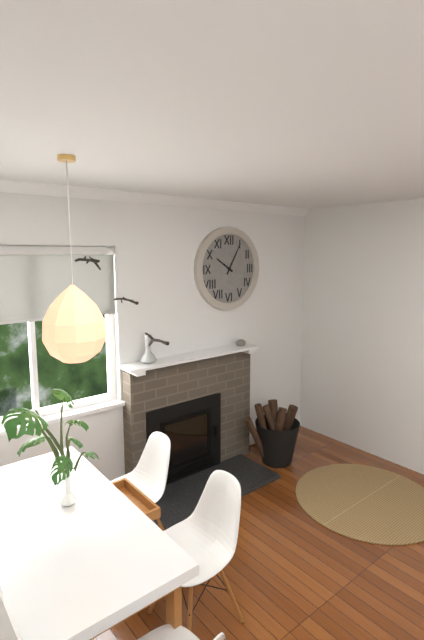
10 h 05 min
